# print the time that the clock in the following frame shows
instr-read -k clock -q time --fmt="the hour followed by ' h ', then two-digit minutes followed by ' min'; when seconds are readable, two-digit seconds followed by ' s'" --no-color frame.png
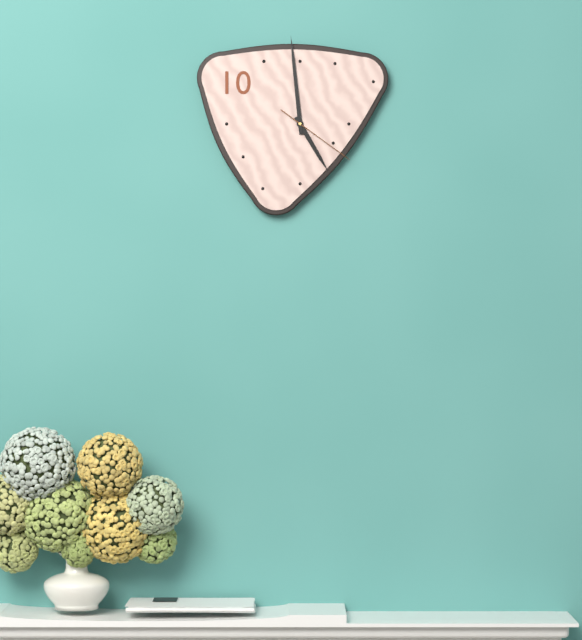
4 h 59 min 21 s
